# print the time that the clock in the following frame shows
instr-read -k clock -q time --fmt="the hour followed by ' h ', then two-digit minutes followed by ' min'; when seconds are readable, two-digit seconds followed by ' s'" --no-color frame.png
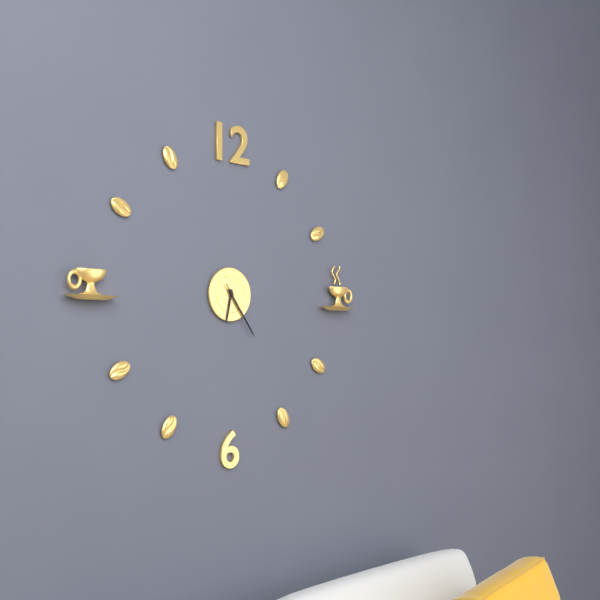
6 h 24 min 24 s
